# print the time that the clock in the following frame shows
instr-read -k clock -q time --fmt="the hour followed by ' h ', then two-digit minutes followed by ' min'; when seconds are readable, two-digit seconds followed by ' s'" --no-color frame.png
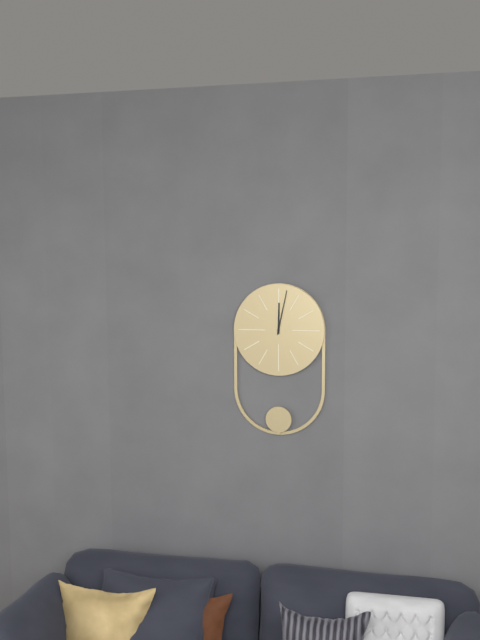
12 h 02 min
